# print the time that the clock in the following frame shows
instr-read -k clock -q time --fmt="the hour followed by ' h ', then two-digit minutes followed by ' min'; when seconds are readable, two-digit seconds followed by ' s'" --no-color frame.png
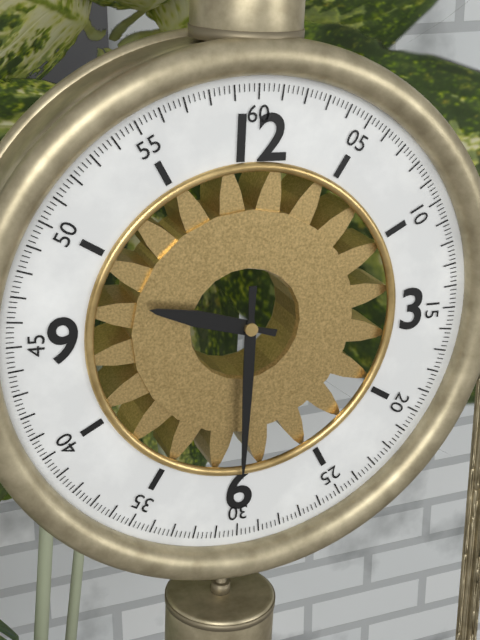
9 h 30 min
